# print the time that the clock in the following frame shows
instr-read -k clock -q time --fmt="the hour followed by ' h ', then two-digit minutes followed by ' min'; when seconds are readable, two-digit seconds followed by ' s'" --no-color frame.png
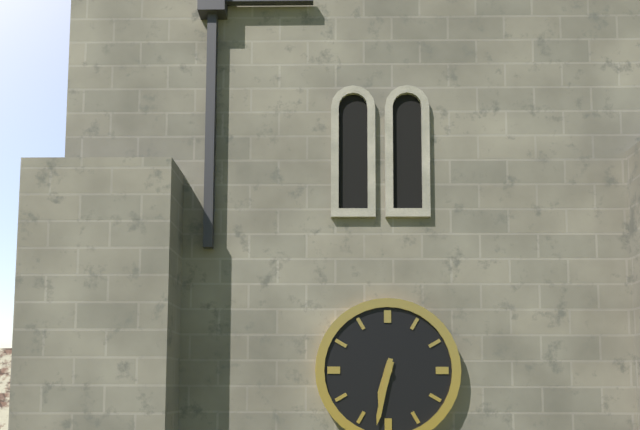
6 h 32 min
